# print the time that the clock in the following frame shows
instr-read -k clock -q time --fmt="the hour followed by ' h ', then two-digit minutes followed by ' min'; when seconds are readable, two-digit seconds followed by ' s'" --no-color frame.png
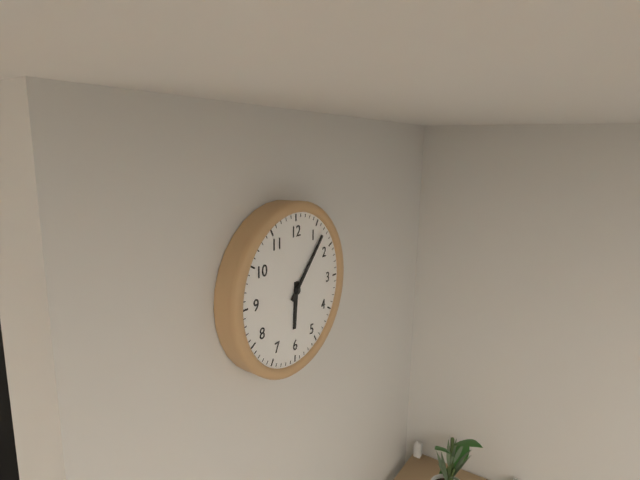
6 h 07 min
